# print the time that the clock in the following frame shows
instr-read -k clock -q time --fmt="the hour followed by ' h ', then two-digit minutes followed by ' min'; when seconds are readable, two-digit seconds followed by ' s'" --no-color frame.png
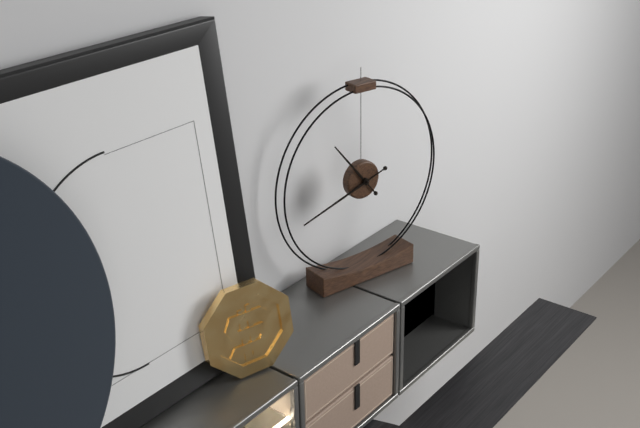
10 h 42 min
